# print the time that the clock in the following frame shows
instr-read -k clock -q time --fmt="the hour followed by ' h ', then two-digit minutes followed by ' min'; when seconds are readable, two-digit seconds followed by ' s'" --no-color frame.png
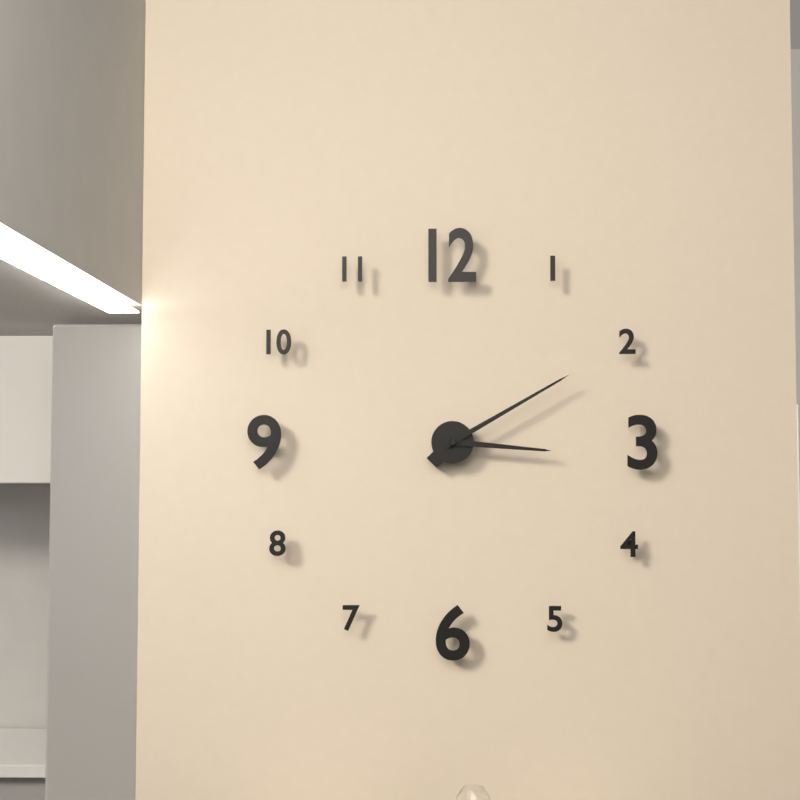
3 h 10 min
